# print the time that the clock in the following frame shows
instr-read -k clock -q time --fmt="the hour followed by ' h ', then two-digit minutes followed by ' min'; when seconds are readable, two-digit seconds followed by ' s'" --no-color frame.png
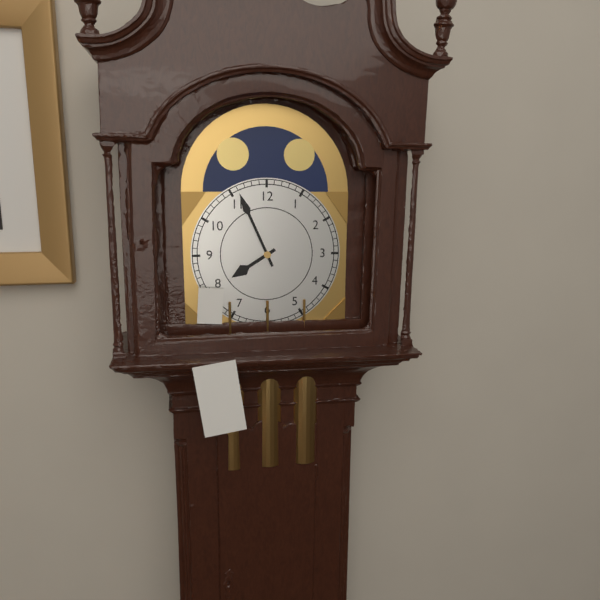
7 h 56 min
